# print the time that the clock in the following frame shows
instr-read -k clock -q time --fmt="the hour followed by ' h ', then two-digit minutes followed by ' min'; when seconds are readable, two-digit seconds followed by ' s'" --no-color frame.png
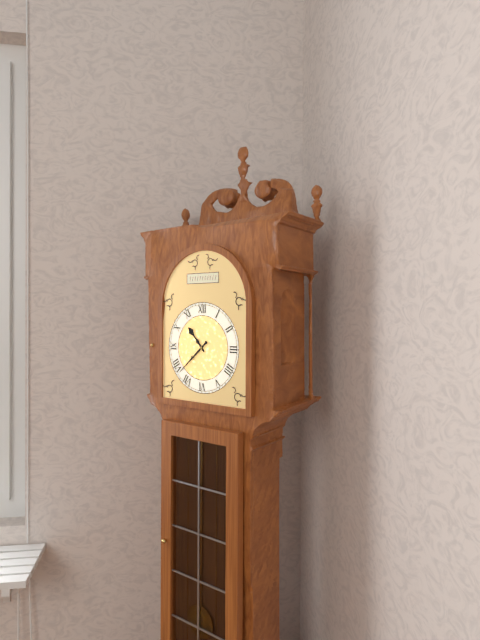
10 h 38 min
